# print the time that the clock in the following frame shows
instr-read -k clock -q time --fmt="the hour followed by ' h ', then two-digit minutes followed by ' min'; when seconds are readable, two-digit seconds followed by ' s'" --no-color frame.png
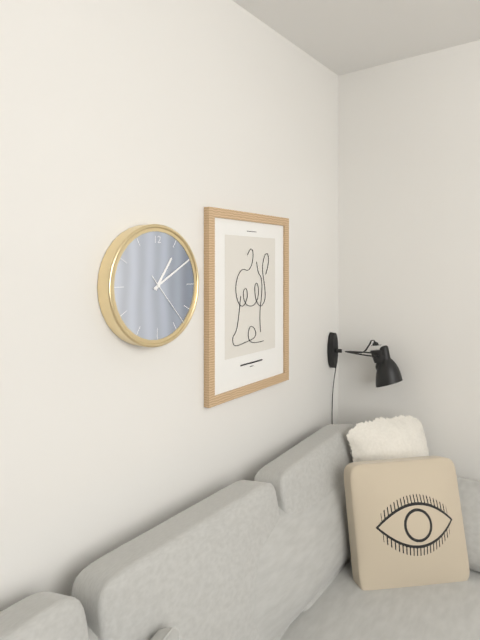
1 h 10 min 23 s
